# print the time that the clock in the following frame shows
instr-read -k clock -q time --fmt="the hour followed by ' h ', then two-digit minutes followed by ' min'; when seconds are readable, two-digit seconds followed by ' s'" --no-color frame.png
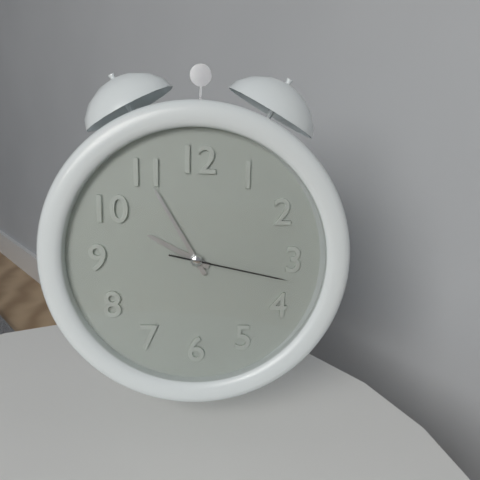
9 h 55 min 17 s
